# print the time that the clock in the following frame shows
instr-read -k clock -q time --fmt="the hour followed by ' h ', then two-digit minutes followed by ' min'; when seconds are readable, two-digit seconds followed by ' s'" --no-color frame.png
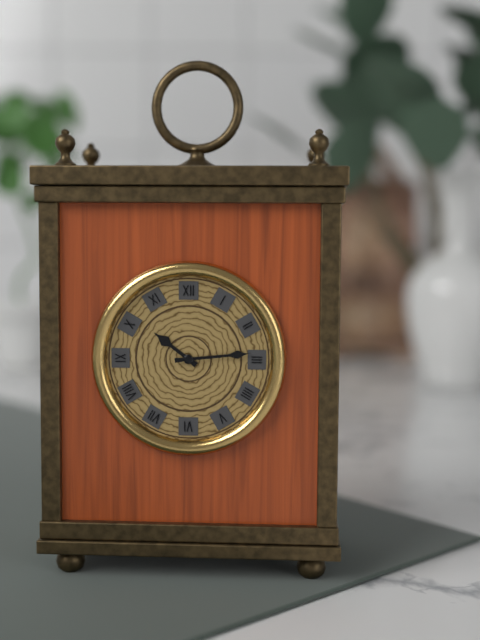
10 h 14 min
